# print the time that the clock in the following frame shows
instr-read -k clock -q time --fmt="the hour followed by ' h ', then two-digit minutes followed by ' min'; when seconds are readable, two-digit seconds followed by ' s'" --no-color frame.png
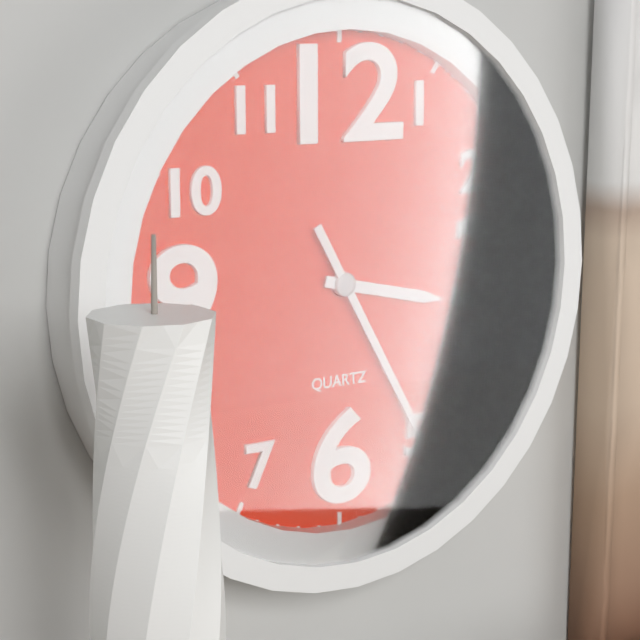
3 h 25 min
